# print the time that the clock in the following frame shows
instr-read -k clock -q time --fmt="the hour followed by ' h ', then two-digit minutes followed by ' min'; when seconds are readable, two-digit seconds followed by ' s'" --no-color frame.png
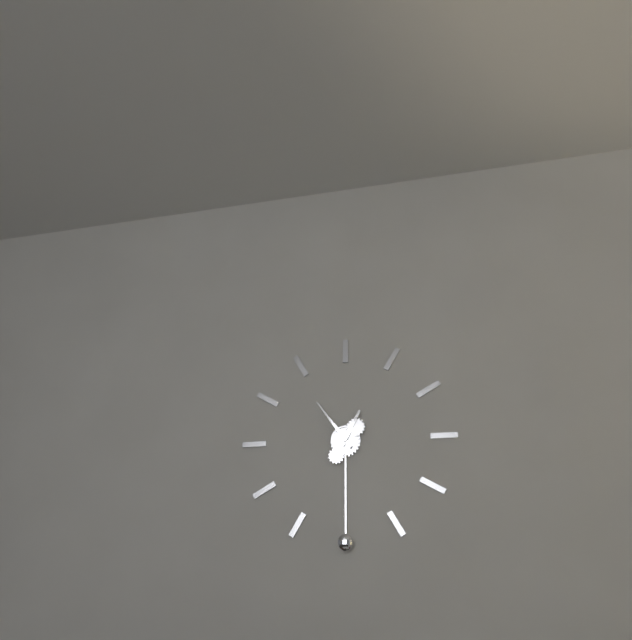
12 h 54 min
